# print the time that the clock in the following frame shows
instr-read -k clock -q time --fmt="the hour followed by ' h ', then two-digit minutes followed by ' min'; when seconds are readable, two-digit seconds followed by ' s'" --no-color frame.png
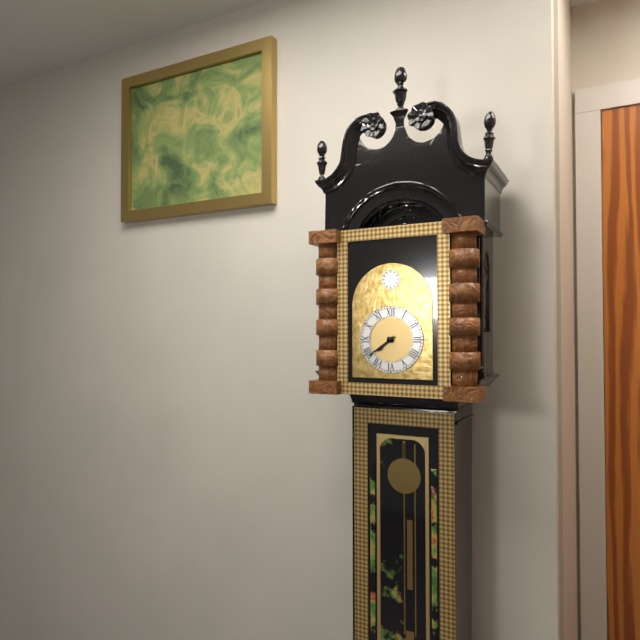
7 h 39 min
